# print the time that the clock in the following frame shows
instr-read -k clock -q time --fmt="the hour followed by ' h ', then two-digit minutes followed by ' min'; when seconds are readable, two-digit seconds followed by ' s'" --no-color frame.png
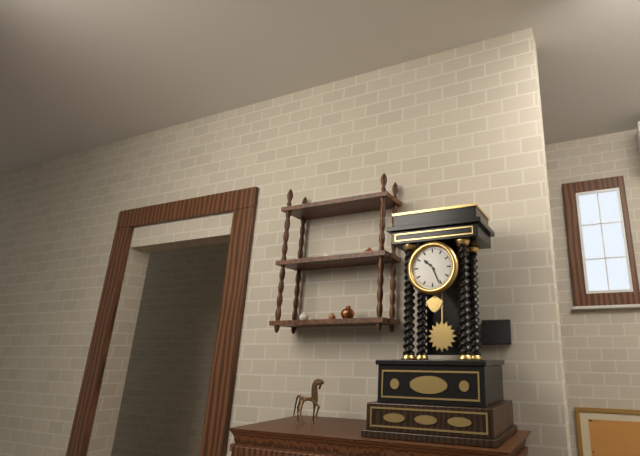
10 h 26 min
